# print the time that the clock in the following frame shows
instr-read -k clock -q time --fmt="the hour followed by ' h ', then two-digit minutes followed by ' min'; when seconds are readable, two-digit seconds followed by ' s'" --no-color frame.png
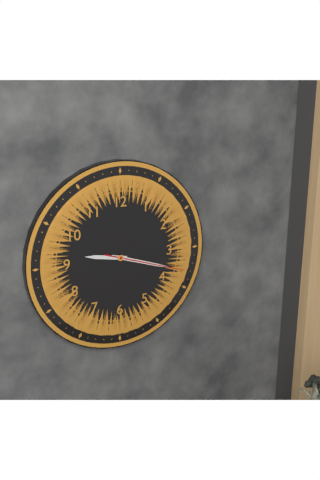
9 h 18 min 18 s
